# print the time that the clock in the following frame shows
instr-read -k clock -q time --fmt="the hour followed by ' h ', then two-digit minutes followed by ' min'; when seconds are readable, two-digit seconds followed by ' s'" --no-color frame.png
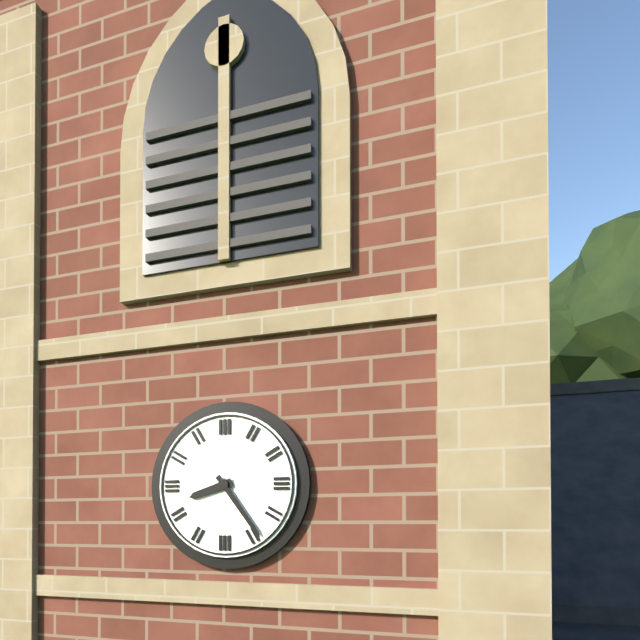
8 h 24 min
